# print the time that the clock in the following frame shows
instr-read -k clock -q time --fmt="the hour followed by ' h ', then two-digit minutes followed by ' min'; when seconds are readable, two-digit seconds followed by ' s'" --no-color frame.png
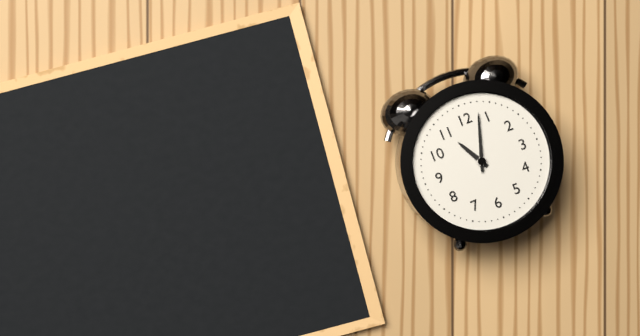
11 h 03 min
